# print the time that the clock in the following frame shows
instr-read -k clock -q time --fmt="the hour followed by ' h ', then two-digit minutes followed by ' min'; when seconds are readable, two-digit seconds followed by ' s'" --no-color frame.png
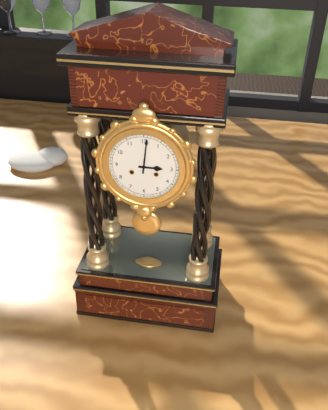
3 h 01 min
